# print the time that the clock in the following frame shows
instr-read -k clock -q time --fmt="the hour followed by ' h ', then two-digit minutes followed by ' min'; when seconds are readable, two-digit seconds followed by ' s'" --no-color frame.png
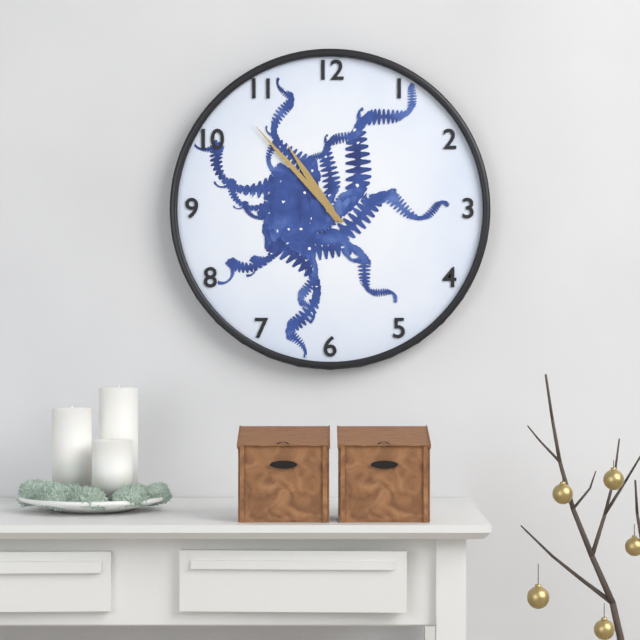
10 h 53 min
